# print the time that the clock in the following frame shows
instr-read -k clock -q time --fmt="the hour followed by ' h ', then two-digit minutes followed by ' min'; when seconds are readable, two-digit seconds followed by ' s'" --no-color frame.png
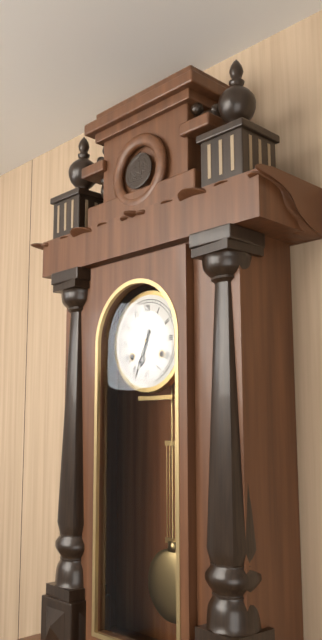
6 h 34 min
